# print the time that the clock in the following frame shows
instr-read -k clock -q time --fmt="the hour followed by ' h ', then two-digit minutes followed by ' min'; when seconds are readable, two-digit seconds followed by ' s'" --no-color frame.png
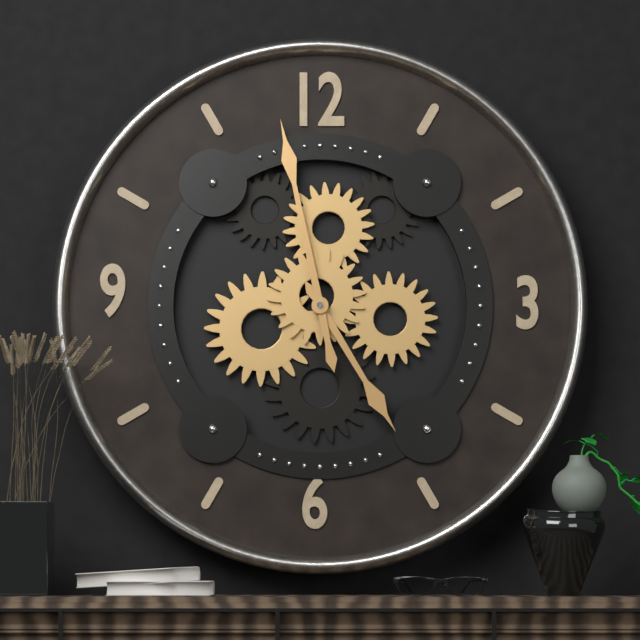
4 h 58 min
